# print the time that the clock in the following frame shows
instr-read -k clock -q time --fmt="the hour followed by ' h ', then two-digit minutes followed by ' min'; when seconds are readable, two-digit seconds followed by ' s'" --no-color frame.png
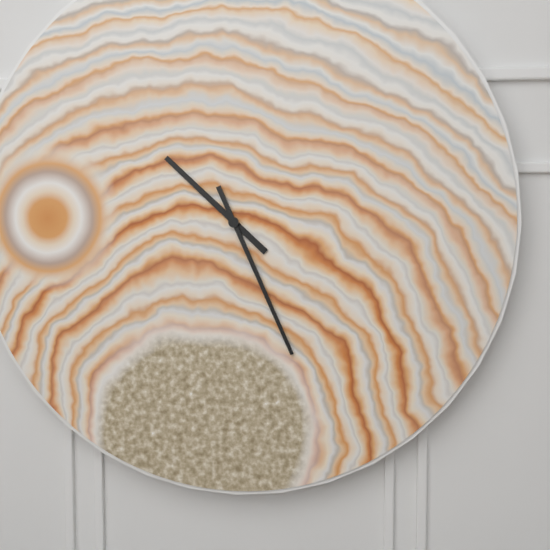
10 h 26 min
